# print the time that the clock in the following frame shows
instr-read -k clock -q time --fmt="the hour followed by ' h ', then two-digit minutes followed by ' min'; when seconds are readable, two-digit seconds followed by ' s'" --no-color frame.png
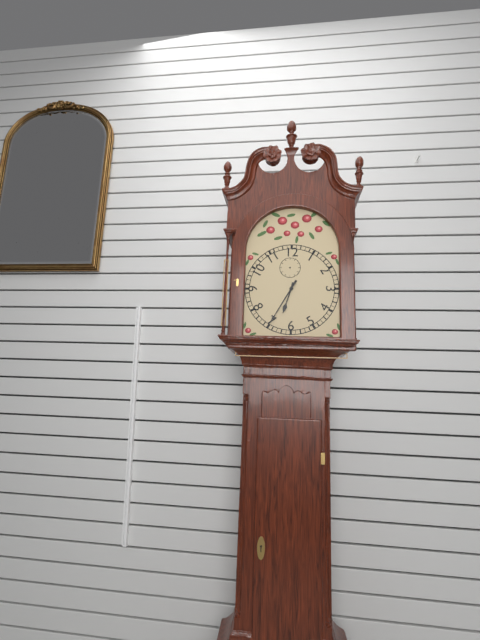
6 h 35 min
